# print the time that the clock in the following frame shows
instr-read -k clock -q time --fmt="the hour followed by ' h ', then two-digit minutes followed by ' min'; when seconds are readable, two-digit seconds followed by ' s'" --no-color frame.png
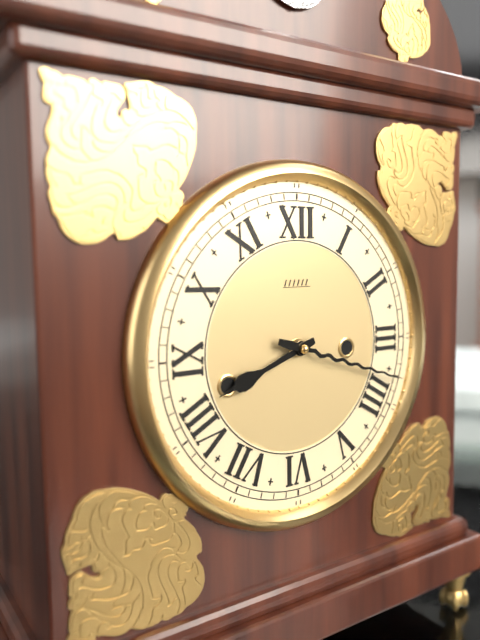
8 h 18 min
